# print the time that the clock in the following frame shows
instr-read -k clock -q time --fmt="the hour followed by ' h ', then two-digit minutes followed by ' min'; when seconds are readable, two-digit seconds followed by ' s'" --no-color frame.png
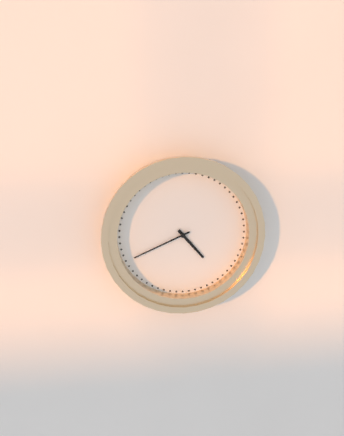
4 h 41 min
